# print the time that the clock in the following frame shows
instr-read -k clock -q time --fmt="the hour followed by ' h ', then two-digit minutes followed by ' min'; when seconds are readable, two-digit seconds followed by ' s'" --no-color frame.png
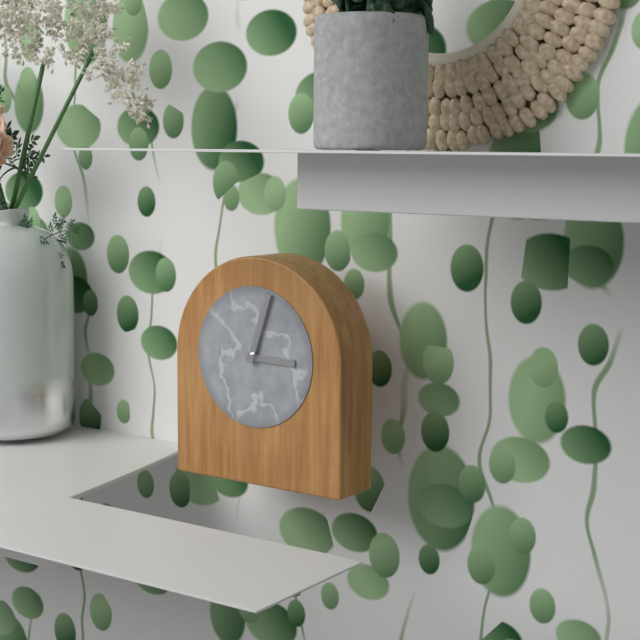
3 h 03 min
